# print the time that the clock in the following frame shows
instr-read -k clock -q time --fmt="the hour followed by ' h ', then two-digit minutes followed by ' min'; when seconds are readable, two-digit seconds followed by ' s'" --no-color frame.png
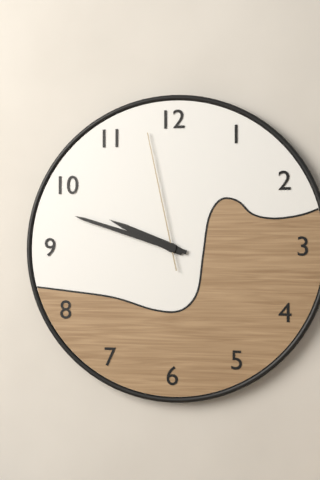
9 h 48 min 58 s
